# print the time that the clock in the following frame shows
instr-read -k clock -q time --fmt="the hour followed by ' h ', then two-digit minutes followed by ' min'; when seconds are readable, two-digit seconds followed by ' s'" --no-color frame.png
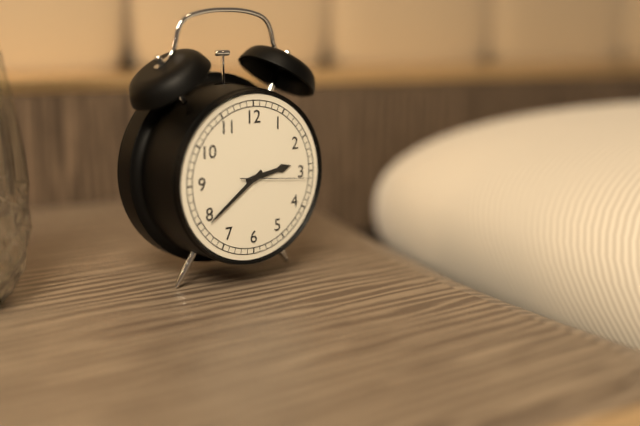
2 h 39 min 16 s
